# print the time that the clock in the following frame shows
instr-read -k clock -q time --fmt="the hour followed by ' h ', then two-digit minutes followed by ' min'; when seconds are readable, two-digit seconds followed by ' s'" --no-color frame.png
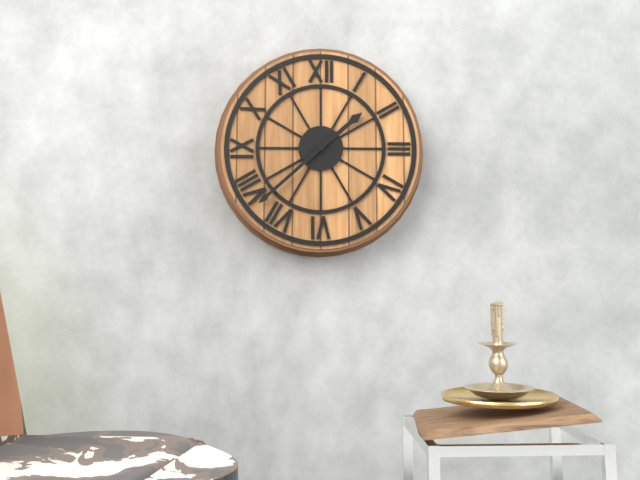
1 h 38 min
